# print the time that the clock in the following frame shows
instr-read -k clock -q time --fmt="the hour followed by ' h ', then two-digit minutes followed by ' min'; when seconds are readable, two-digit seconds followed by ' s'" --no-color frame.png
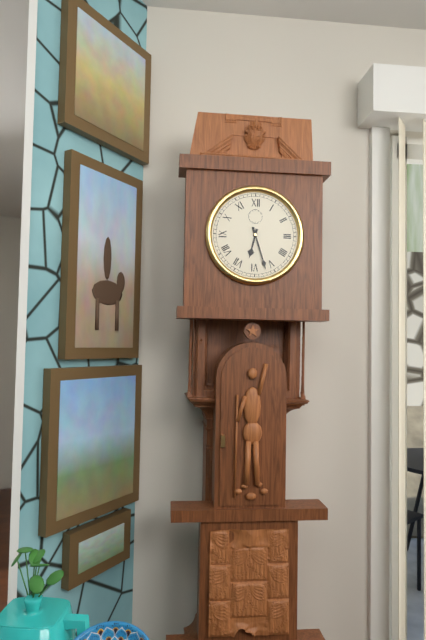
6 h 27 min
